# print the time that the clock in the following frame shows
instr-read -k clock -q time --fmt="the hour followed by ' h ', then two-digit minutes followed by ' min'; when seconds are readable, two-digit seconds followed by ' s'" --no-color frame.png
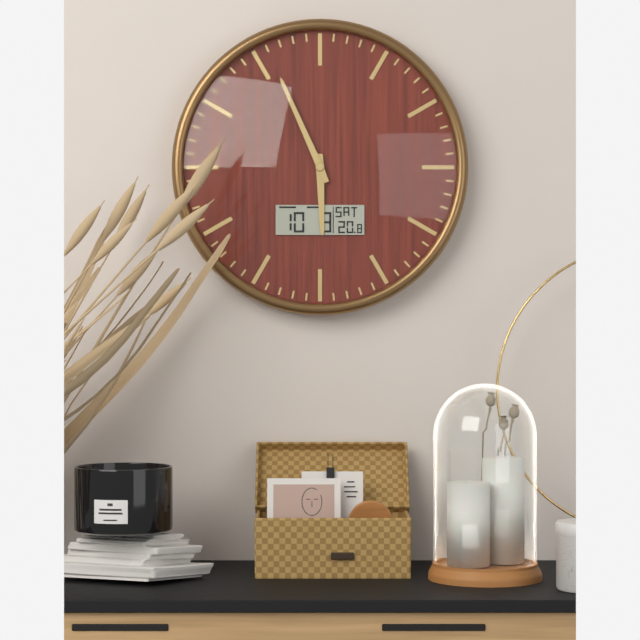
5 h 56 min
